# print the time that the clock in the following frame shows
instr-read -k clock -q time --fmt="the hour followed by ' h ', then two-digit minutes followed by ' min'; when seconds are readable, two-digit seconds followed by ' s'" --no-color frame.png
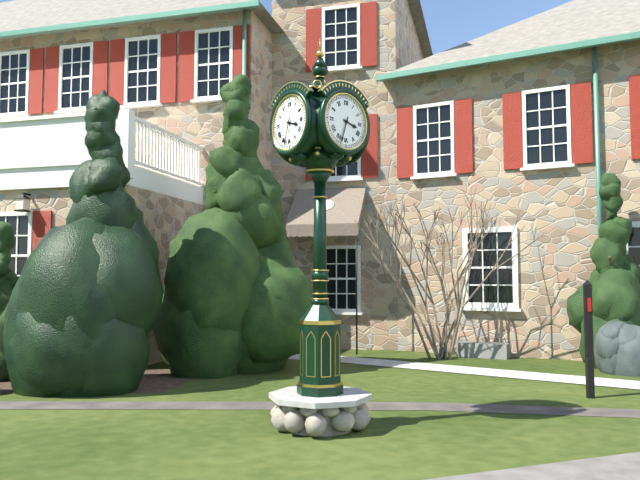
3 h 33 min
